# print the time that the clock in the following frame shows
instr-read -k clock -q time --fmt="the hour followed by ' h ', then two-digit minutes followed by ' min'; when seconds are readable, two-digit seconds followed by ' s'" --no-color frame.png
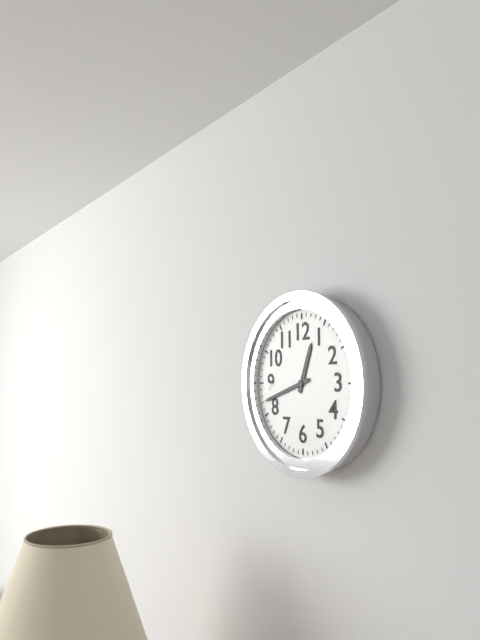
12 h 42 min
